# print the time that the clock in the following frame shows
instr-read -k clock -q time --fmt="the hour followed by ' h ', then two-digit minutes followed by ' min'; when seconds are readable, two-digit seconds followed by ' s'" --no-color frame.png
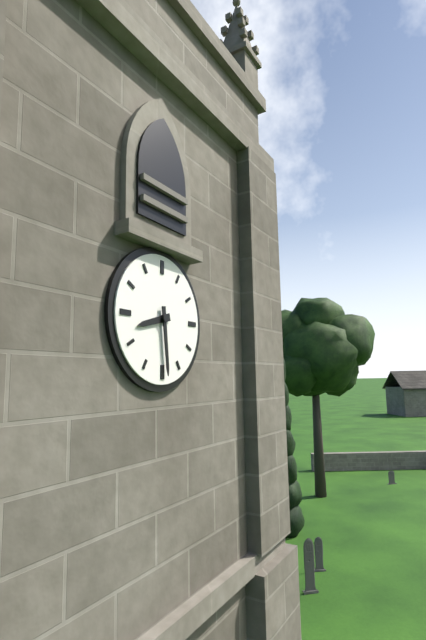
8 h 29 min
